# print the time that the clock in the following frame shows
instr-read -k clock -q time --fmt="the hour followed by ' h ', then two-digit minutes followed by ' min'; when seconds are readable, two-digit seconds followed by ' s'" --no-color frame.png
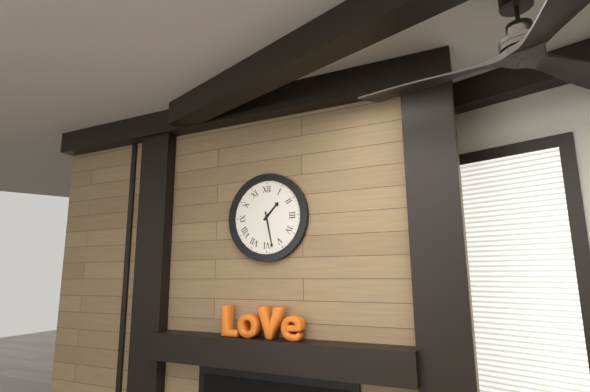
1 h 28 min
